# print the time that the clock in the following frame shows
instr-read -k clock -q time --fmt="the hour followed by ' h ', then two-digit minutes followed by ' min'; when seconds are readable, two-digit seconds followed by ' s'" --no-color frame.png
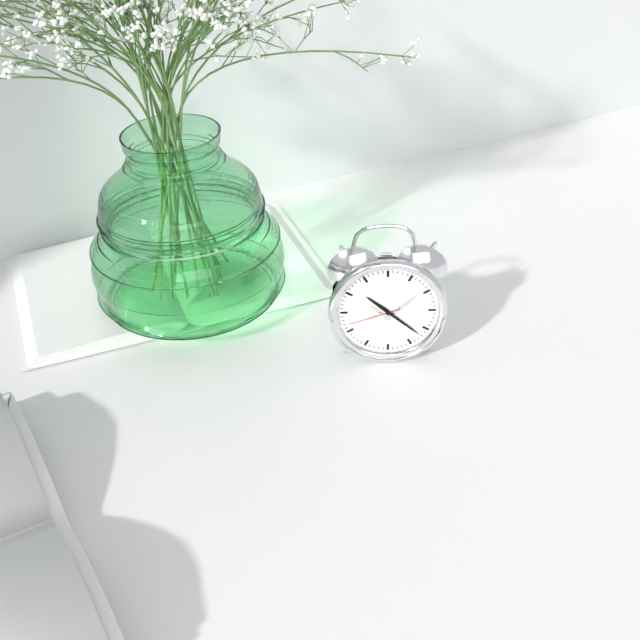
10 h 22 min 42 s
